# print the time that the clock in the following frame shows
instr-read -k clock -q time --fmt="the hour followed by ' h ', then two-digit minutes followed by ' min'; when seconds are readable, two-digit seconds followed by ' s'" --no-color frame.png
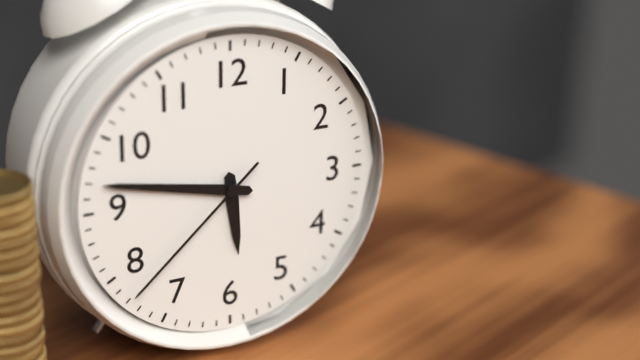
5 h 47 min 38 s
